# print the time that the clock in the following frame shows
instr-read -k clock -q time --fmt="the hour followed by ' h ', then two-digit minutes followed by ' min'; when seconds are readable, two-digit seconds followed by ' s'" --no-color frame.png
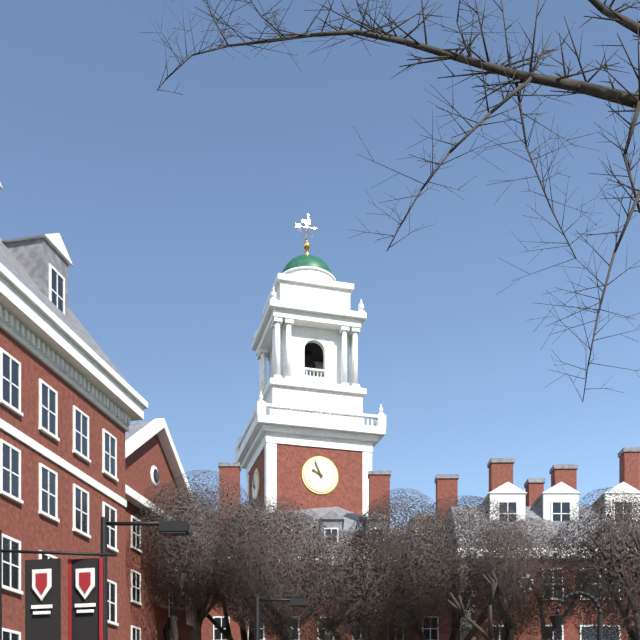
9 h 56 min
